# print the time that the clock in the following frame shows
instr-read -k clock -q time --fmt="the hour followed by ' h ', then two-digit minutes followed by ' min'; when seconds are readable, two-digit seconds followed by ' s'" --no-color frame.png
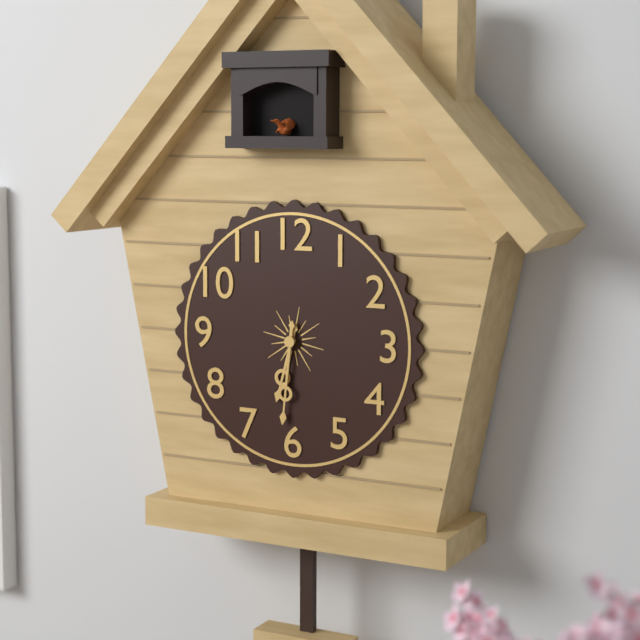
6 h 31 min
